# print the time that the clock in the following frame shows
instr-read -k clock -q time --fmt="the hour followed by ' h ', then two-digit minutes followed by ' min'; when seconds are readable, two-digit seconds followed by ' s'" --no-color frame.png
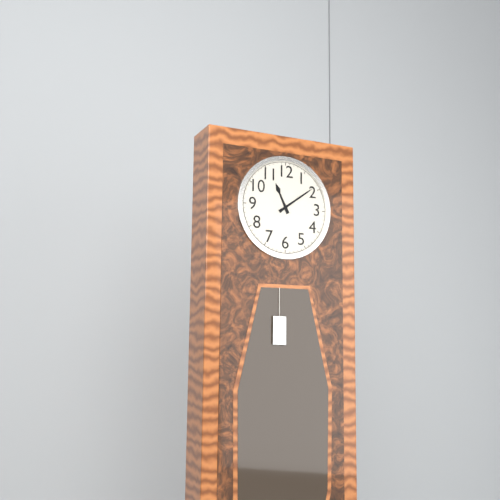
11 h 09 min
